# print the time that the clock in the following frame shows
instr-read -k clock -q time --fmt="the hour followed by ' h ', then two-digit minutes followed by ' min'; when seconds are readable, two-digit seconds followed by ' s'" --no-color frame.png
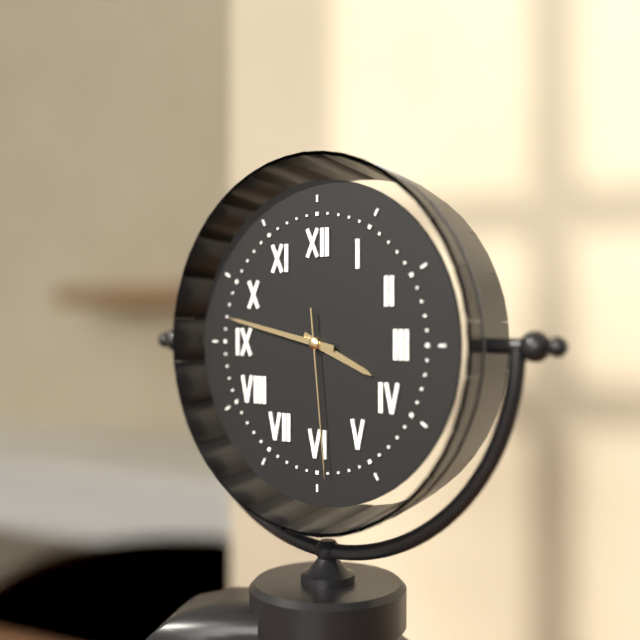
3 h 47 min 29 s
